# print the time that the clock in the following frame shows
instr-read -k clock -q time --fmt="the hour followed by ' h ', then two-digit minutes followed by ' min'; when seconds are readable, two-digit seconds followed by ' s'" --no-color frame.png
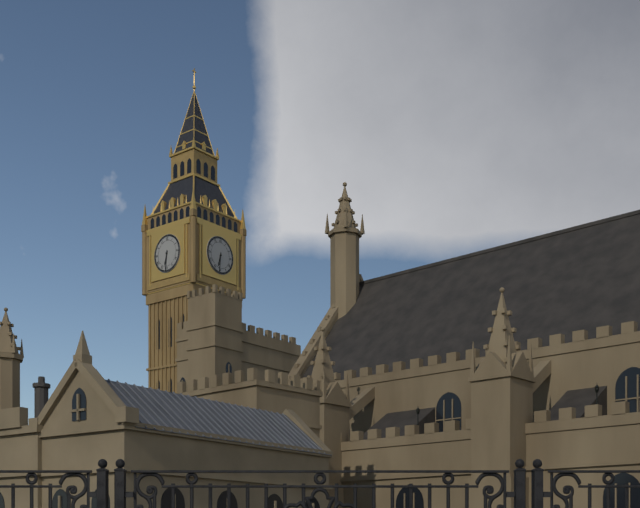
6 h 31 min
